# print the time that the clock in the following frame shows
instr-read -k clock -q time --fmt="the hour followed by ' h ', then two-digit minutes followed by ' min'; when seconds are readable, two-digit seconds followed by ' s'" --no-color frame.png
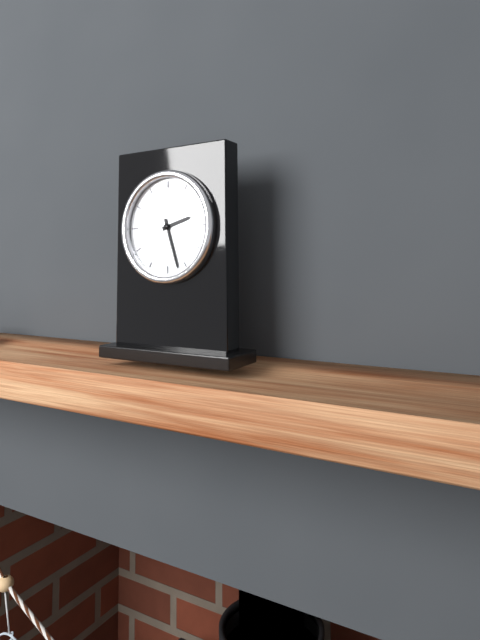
2 h 27 min
